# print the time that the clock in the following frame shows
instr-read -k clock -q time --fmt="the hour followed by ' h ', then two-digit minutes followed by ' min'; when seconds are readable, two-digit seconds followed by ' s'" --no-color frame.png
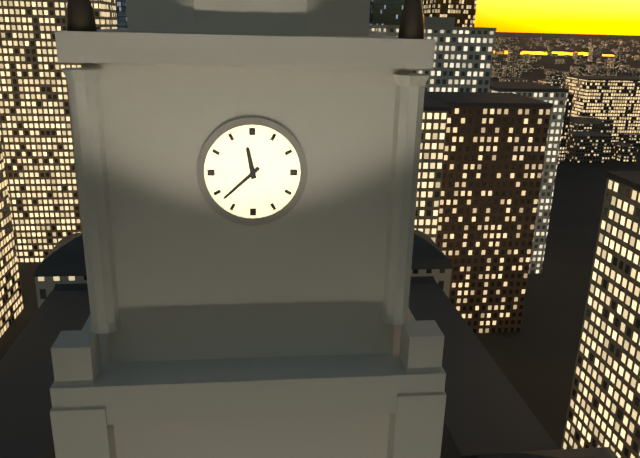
11 h 38 min
